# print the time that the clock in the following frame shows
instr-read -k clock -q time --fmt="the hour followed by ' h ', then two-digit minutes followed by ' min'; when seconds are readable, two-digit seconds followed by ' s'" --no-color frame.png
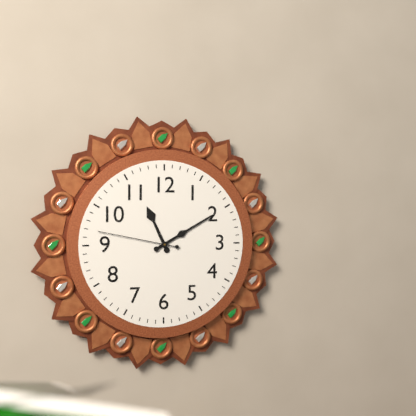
11 h 10 min 47 s
